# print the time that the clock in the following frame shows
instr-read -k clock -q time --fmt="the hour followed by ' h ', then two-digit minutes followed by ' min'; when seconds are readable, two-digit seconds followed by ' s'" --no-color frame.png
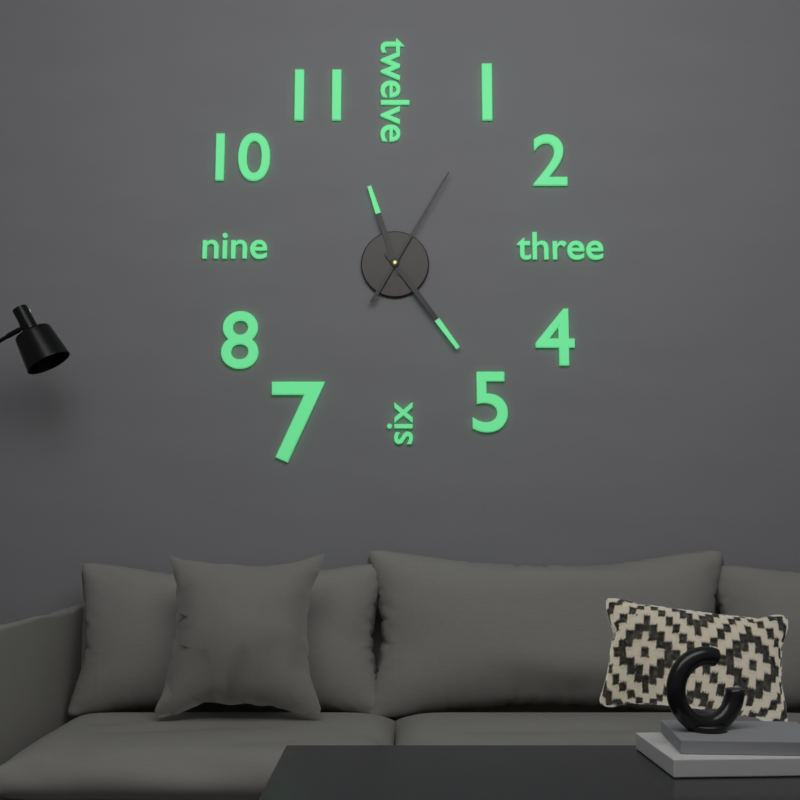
11 h 24 min 05 s
